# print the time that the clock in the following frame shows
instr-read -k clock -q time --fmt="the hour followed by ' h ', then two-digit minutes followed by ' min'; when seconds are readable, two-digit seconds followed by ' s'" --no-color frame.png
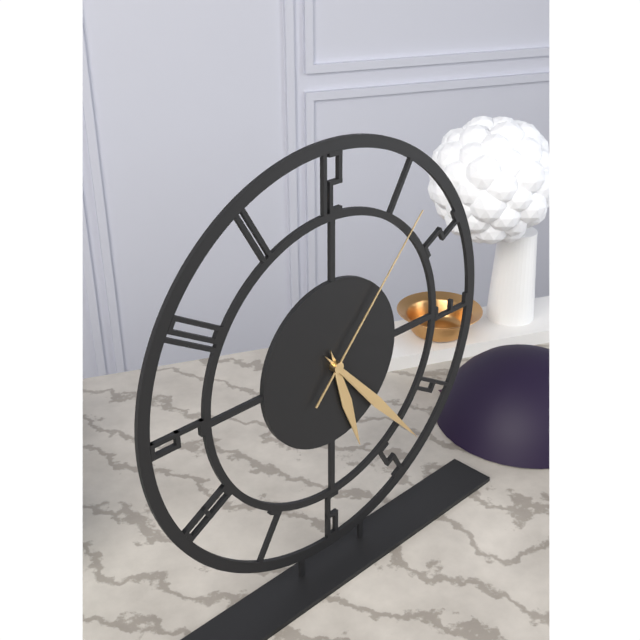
5 h 23 min 07 s
